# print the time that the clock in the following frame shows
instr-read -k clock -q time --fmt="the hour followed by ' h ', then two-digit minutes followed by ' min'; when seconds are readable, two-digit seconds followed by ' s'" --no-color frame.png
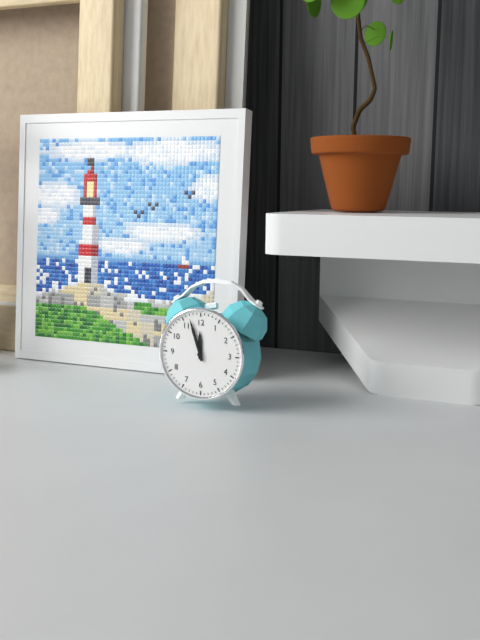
11 h 57 min
